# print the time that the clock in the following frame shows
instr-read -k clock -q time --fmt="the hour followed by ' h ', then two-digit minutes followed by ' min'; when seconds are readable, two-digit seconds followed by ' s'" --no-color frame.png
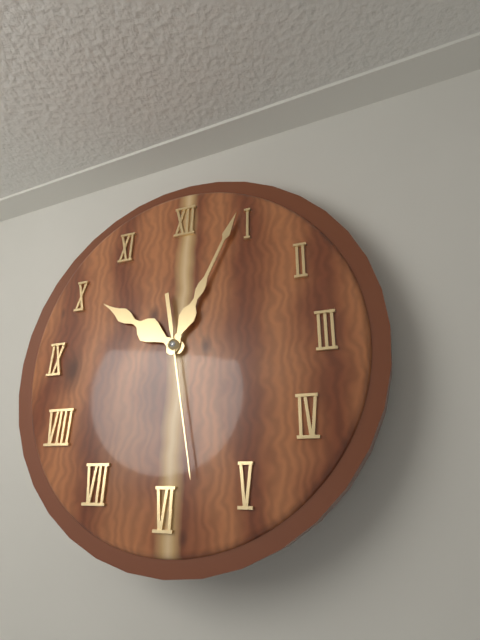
10 h 04 min 28 s
